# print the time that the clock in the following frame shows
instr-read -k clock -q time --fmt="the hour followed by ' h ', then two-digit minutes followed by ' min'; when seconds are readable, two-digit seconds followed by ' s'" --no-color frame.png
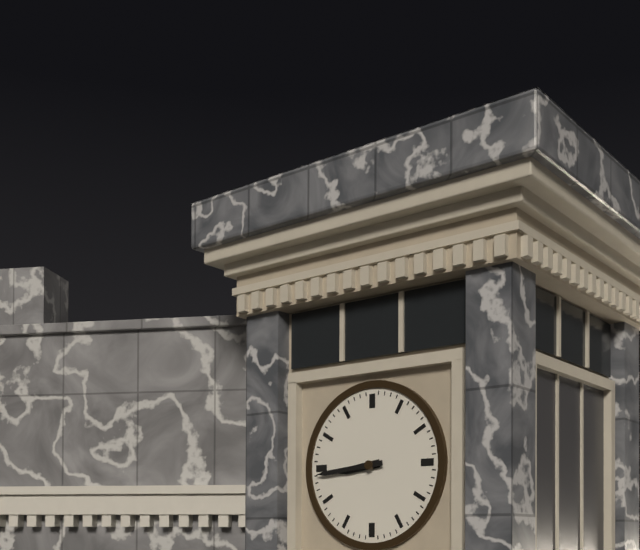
8 h 44 min
